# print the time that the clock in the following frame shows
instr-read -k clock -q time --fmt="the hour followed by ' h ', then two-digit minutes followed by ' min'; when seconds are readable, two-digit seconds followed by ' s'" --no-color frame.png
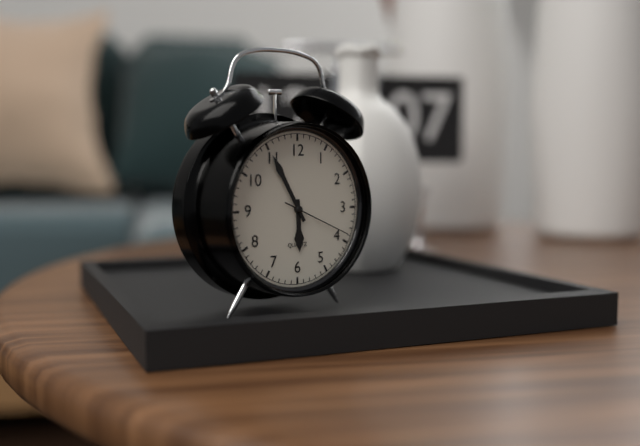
5 h 55 min 19 s
